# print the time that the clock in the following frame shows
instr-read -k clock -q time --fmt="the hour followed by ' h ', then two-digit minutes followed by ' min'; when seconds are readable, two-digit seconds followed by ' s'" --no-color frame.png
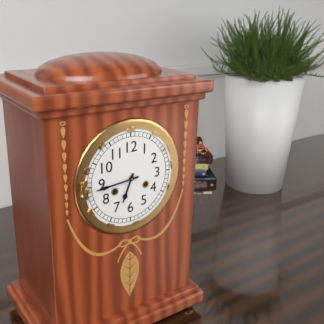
6 h 44 min
